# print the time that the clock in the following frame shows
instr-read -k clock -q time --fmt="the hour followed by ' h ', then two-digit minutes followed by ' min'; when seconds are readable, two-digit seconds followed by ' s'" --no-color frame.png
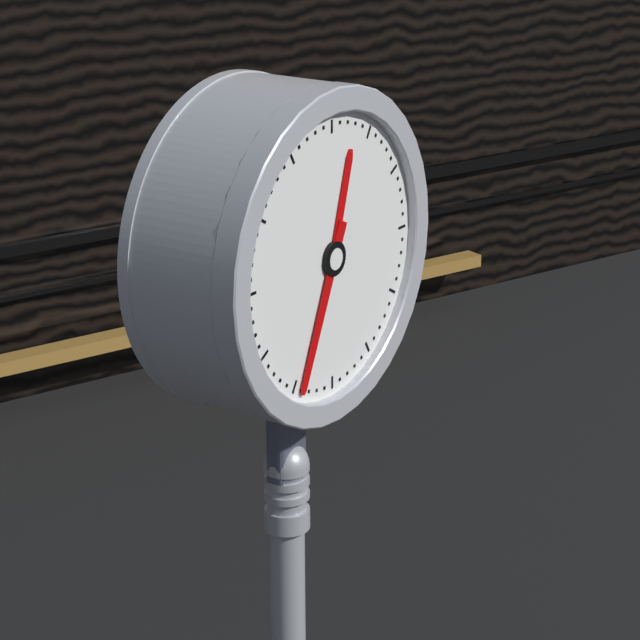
12 h 34 min
